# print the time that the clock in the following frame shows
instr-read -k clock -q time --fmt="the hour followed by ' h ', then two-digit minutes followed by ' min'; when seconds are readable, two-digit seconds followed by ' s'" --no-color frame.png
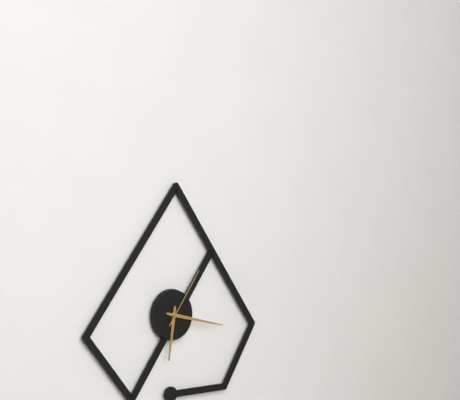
6 h 17 min 06 s
